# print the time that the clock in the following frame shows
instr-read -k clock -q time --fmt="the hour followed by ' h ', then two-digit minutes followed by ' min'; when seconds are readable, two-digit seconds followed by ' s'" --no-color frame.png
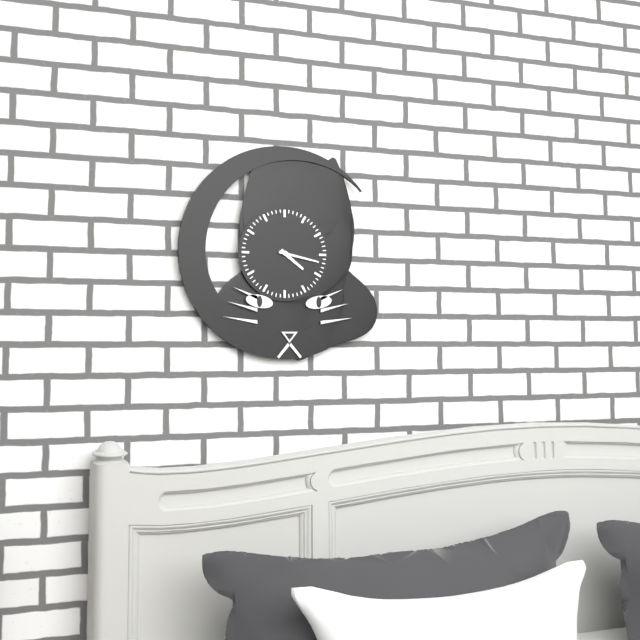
4 h 17 min
